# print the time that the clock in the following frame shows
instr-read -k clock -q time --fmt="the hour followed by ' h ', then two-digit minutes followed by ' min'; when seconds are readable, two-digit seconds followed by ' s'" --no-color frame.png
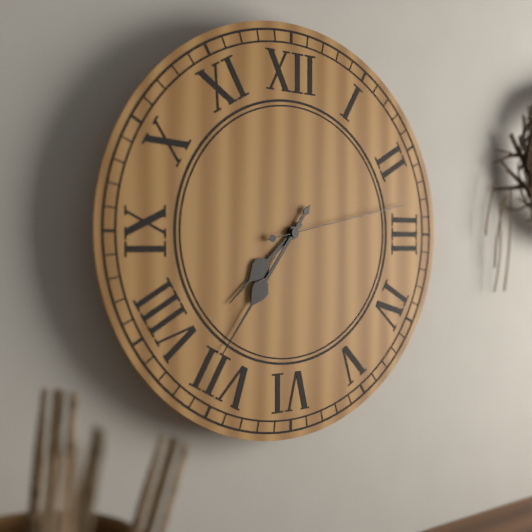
7 h 36 min 13 s
